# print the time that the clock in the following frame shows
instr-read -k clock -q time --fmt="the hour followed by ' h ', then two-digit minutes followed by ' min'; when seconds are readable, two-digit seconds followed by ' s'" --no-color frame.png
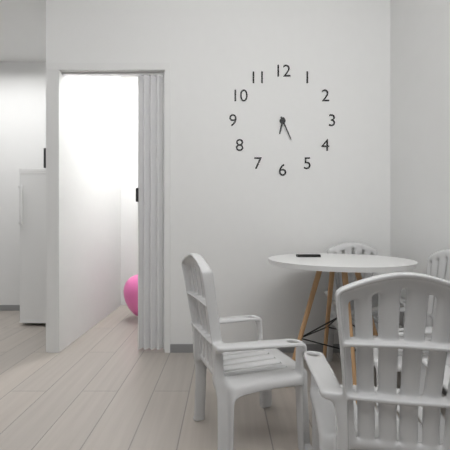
6 h 26 min
